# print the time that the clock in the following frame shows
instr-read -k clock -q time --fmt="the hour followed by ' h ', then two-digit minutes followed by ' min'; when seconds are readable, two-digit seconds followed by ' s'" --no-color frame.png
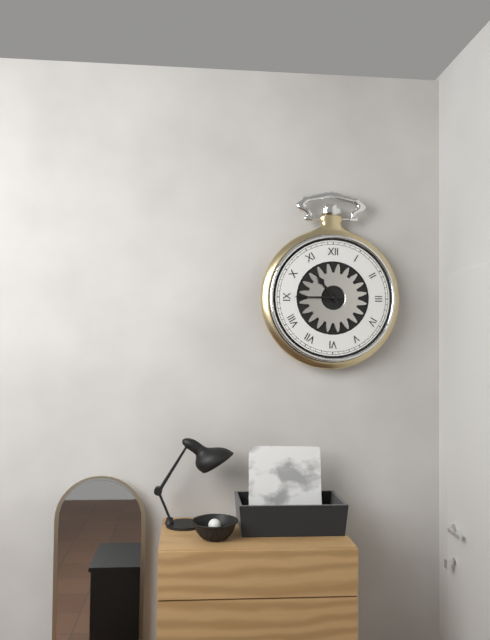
10 h 45 min
